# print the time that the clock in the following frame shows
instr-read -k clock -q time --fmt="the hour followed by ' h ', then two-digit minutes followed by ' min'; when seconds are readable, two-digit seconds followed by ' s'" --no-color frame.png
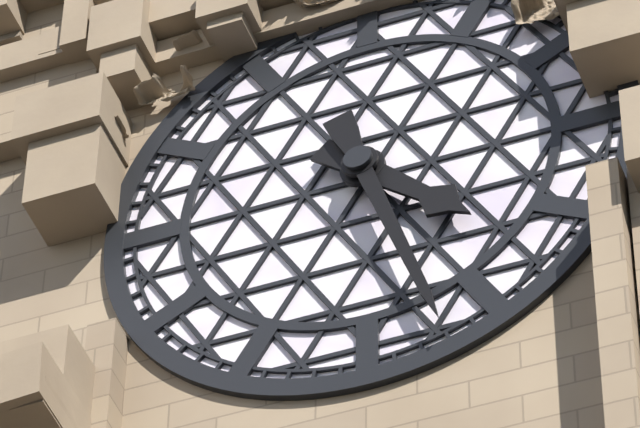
4 h 27 min
